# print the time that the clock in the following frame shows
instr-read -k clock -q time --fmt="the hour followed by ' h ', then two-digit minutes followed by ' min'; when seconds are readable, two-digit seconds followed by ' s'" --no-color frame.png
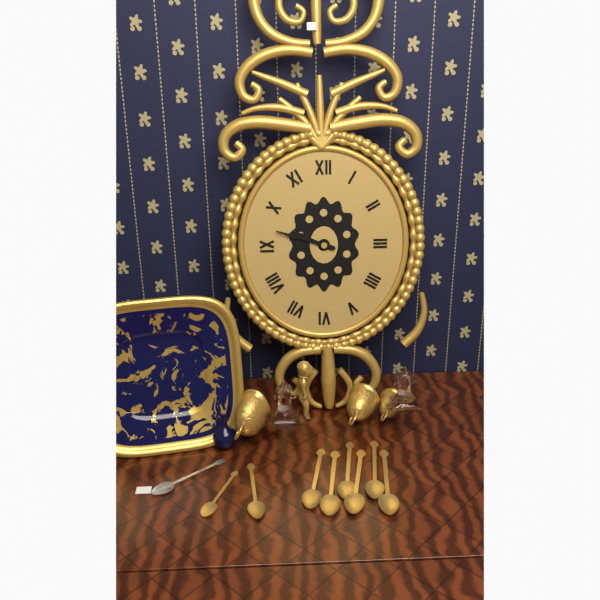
9 h 48 min
